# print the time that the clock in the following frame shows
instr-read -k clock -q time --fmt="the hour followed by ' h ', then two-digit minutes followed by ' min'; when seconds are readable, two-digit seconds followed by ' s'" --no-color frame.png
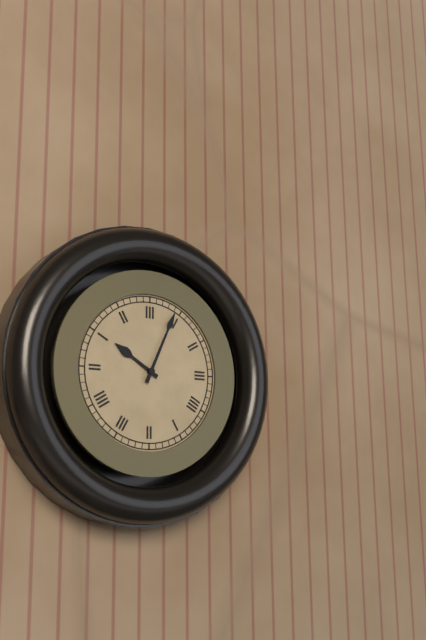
10 h 04 min
